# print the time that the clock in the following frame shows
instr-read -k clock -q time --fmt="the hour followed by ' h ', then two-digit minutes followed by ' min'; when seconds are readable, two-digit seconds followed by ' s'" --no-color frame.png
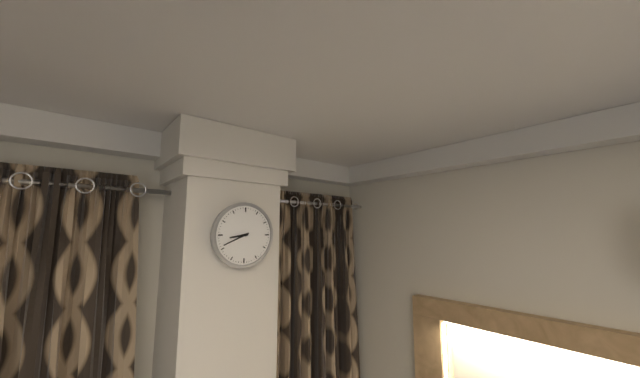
8 h 41 min
